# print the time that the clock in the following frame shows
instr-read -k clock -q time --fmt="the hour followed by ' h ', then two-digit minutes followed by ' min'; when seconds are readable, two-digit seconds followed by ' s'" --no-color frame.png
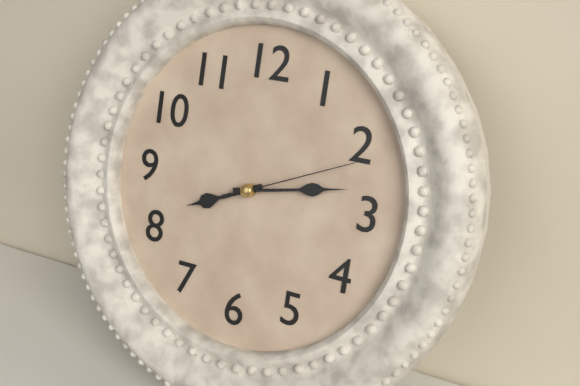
8 h 13 min 11 s
